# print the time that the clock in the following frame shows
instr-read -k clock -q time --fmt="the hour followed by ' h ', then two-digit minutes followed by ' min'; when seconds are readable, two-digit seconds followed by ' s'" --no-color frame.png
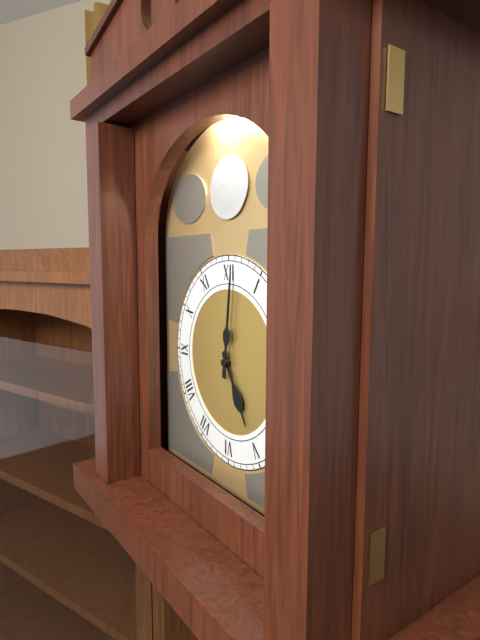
5 h 01 min
